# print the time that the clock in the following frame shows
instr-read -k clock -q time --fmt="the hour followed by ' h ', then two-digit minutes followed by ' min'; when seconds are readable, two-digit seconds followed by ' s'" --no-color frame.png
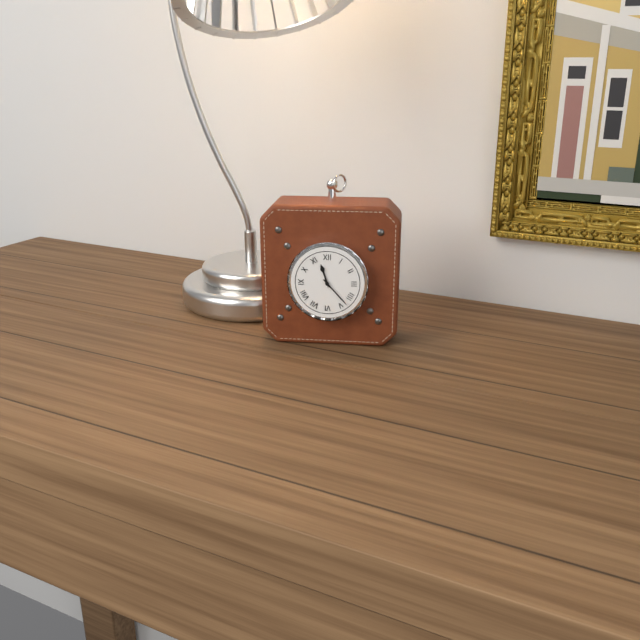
11 h 23 min
